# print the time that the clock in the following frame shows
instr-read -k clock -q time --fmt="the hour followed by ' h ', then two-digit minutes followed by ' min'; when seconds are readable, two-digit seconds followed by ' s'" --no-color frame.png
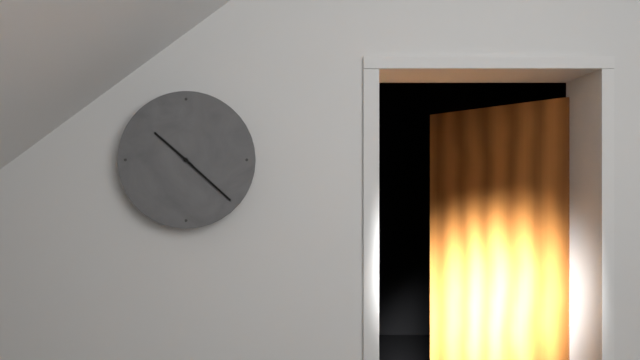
10 h 22 min
